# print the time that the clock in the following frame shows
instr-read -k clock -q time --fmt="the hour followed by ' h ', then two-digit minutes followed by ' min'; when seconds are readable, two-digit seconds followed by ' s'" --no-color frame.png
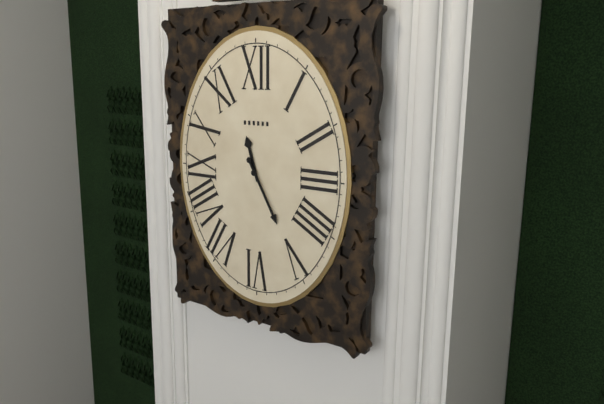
11 h 25 min
